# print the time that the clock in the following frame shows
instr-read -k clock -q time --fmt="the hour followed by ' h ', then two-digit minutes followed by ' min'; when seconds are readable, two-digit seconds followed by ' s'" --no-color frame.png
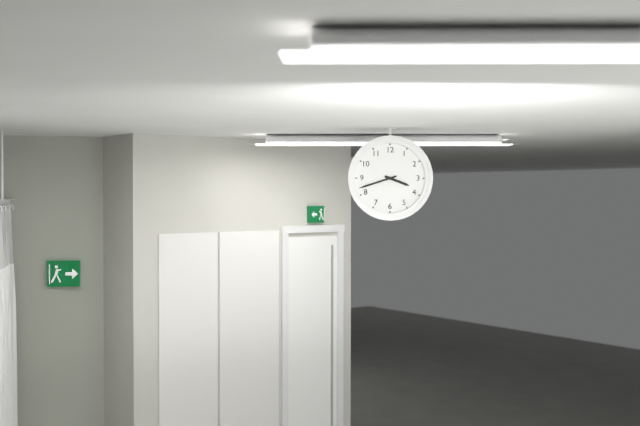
3 h 42 min
